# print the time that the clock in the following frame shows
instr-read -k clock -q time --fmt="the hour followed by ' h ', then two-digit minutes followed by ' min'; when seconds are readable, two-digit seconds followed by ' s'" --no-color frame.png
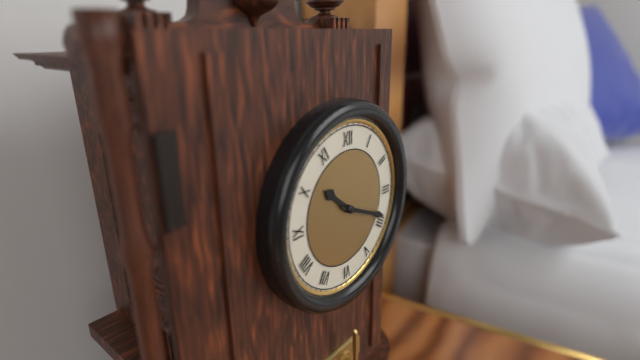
10 h 19 min
